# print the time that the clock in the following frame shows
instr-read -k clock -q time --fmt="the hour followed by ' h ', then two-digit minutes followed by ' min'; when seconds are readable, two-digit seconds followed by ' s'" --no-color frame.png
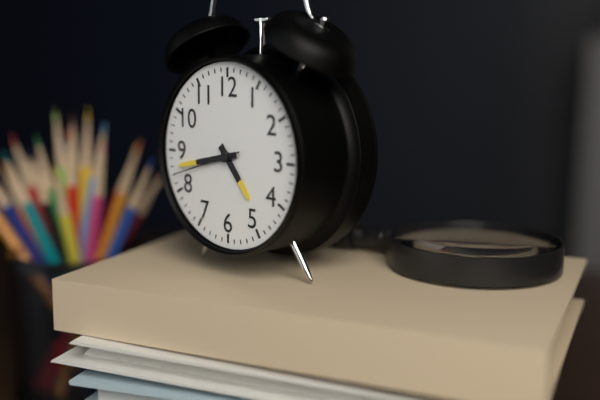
4 h 43 min 42 s
